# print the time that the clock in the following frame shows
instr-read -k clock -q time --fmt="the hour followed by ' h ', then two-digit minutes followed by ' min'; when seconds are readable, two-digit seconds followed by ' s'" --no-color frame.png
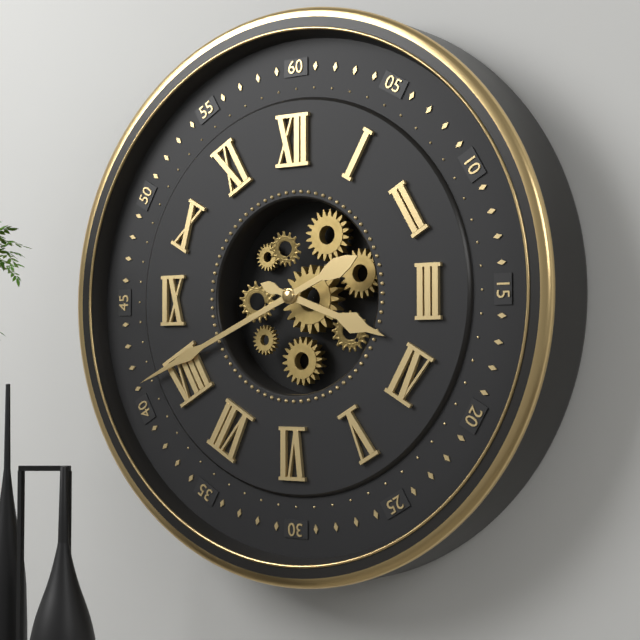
3 h 41 min
